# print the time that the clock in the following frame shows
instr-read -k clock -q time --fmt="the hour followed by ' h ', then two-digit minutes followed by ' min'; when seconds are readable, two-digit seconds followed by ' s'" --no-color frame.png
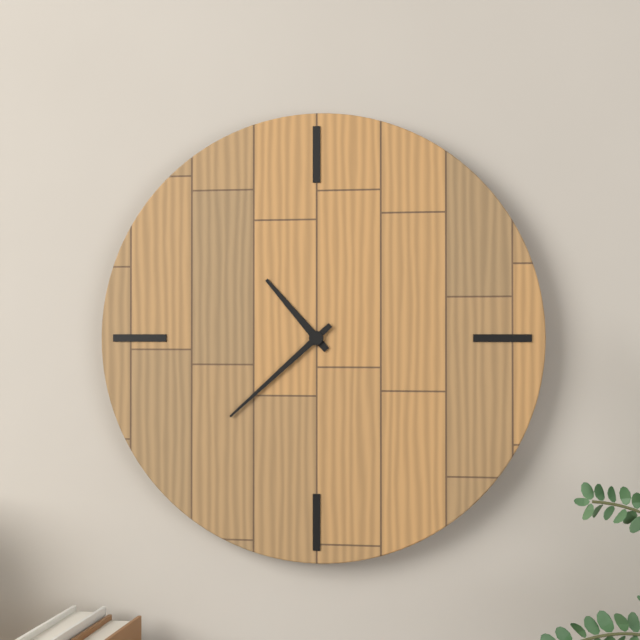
10 h 38 min
